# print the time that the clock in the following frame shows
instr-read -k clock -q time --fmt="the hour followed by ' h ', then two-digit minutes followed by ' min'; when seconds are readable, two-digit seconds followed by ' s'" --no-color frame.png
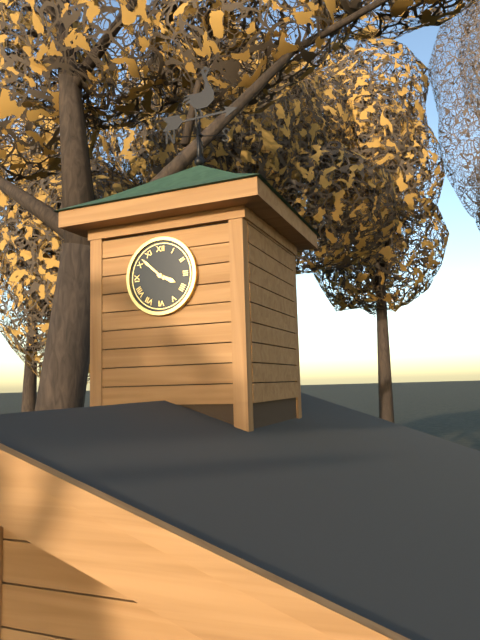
3 h 52 min
